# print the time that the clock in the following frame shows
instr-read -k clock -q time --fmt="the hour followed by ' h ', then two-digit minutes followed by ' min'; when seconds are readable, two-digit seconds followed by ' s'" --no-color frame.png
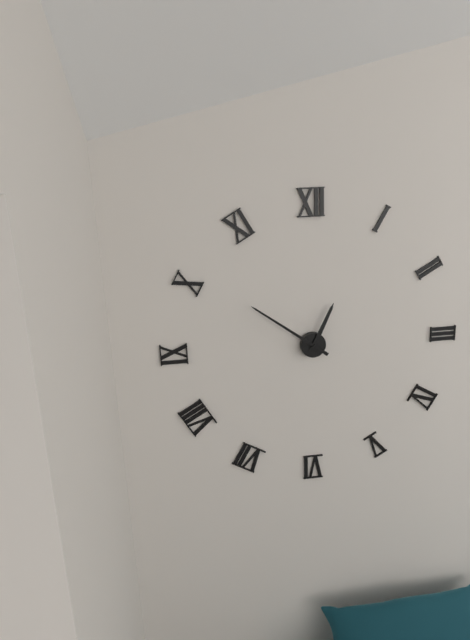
12 h 51 min
